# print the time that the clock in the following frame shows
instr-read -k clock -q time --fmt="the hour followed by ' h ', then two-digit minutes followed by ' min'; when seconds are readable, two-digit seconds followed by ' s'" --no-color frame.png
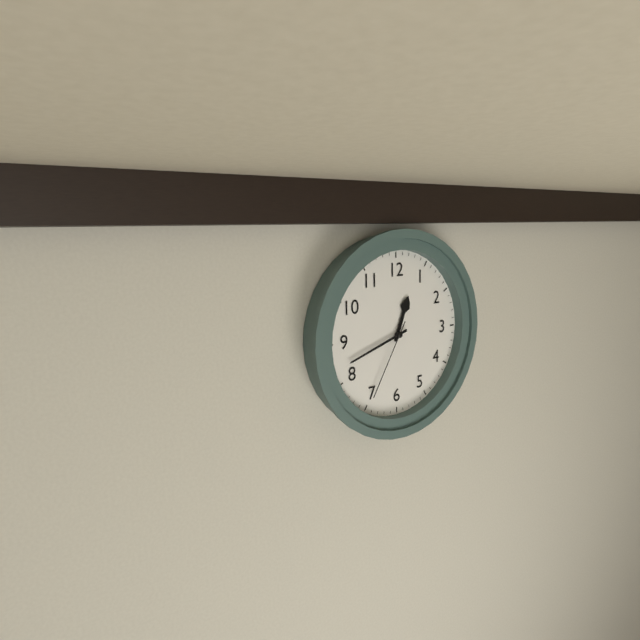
12 h 42 min 35 s
